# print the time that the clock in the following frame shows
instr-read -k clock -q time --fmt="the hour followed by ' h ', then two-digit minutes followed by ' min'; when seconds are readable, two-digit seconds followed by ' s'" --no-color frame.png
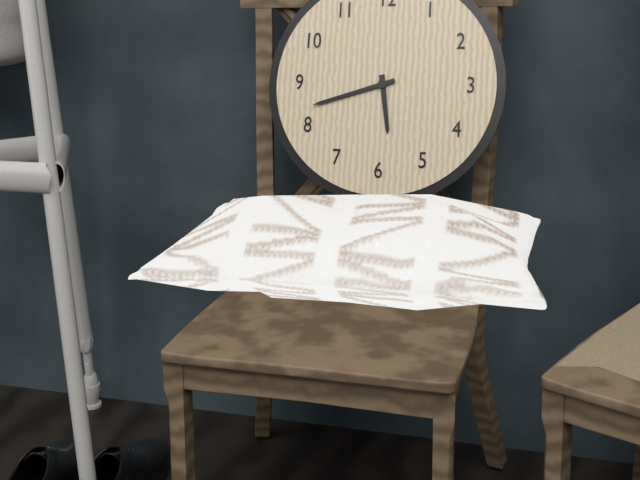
5 h 42 min
